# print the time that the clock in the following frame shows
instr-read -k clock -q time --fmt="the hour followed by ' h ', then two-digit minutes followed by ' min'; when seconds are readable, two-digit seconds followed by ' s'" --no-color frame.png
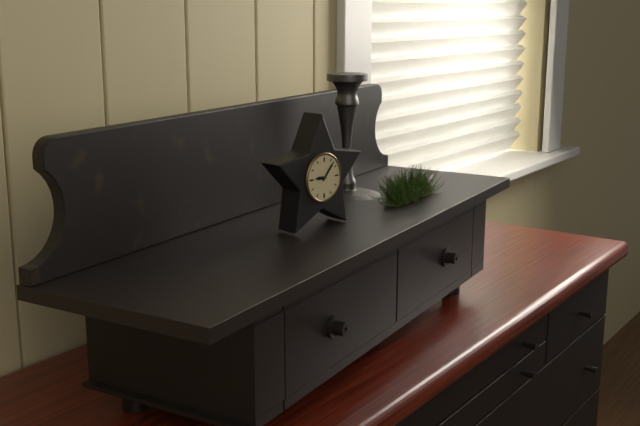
9 h 07 min
